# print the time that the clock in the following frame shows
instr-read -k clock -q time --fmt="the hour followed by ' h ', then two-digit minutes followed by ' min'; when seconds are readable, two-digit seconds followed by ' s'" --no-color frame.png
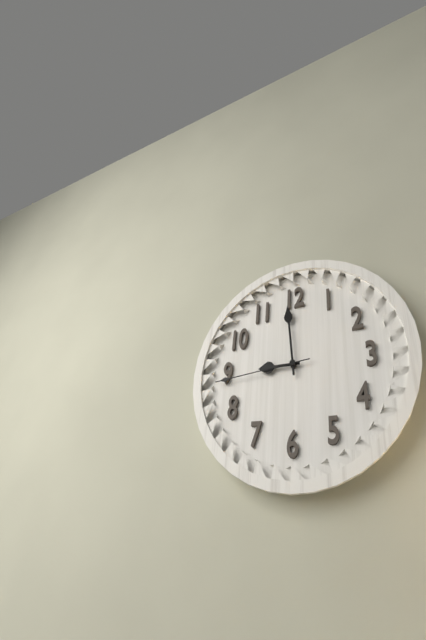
8 h 59 min 44 s
